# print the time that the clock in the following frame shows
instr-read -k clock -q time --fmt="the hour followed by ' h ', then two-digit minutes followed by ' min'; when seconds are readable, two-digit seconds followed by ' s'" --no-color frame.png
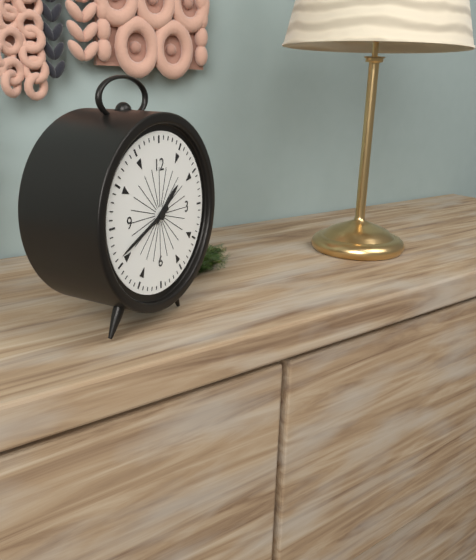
1 h 41 min
